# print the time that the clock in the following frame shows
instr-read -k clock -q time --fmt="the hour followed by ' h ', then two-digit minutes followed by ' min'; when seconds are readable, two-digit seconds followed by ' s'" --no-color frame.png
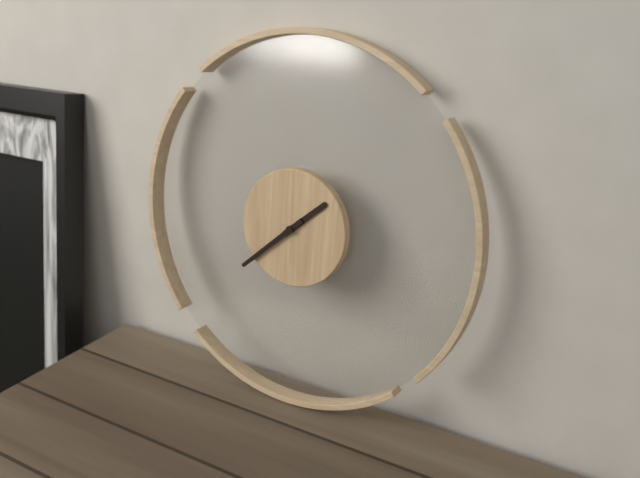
1 h 38 min
